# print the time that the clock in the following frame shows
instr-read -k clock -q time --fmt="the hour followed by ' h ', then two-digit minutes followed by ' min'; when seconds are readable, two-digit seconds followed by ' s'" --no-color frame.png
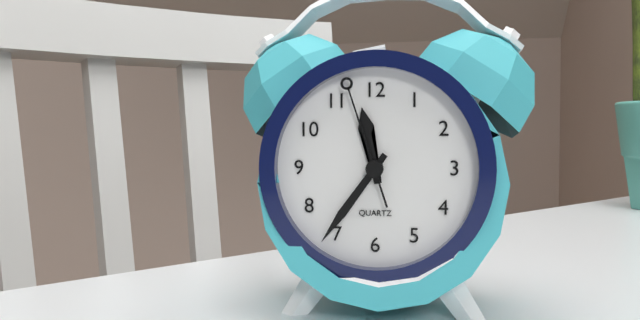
11 h 36 min 57 s
